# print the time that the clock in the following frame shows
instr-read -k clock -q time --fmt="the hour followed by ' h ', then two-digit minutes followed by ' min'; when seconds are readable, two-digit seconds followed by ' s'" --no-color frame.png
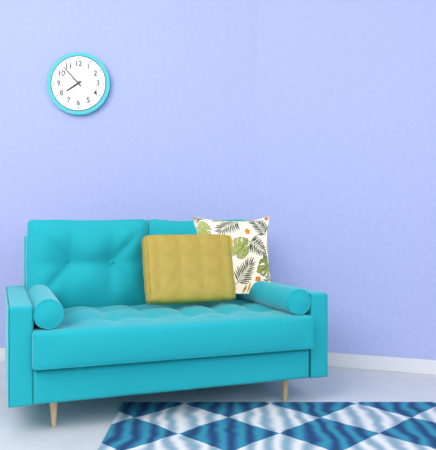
7 h 53 min
